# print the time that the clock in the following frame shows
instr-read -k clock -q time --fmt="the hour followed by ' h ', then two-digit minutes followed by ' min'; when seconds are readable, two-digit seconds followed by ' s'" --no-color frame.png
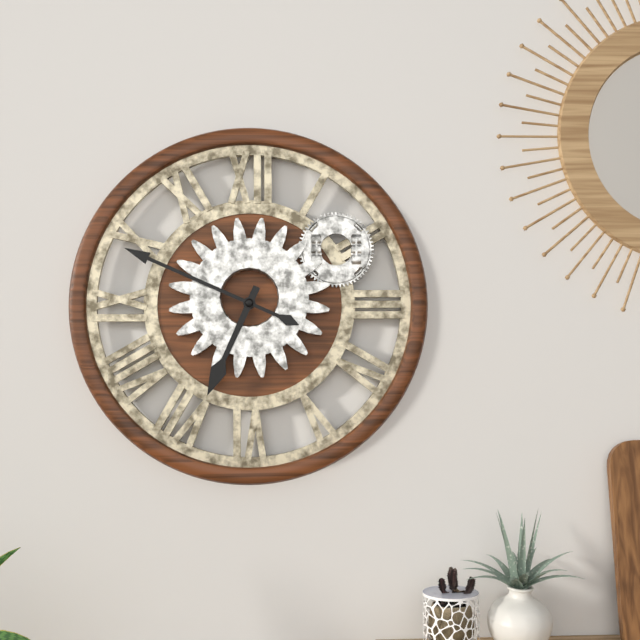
6 h 49 min
